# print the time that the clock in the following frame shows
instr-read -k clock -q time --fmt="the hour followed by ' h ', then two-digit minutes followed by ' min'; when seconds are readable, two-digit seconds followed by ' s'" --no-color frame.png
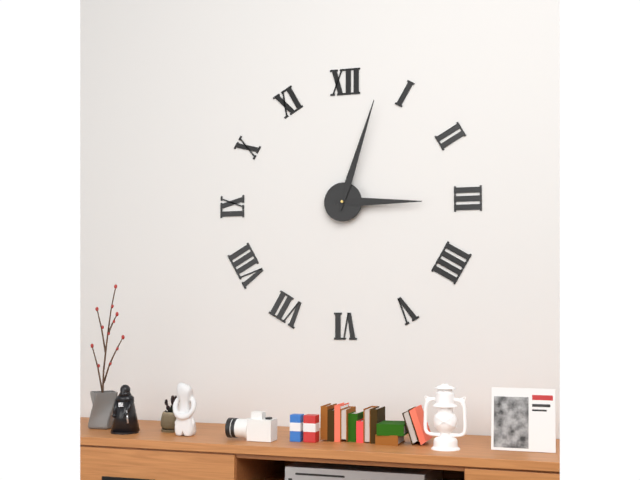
3 h 03 min
